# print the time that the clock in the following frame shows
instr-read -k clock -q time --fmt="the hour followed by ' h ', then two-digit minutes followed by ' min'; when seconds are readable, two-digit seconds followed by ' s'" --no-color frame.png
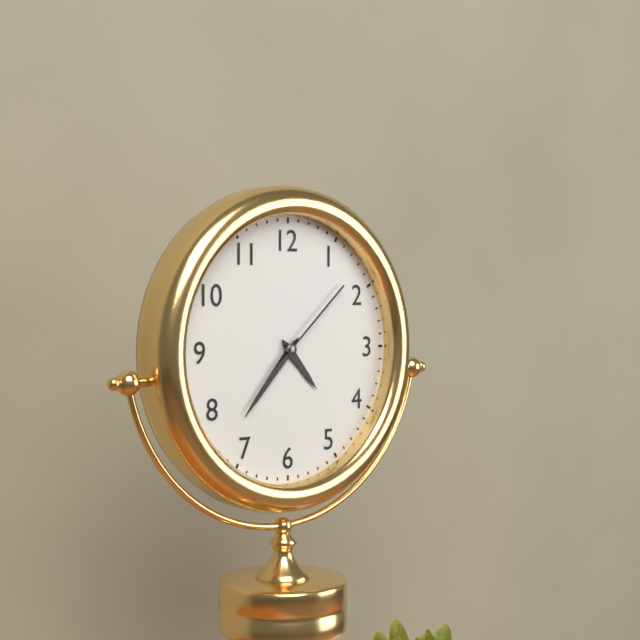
4 h 37 min 08 s
